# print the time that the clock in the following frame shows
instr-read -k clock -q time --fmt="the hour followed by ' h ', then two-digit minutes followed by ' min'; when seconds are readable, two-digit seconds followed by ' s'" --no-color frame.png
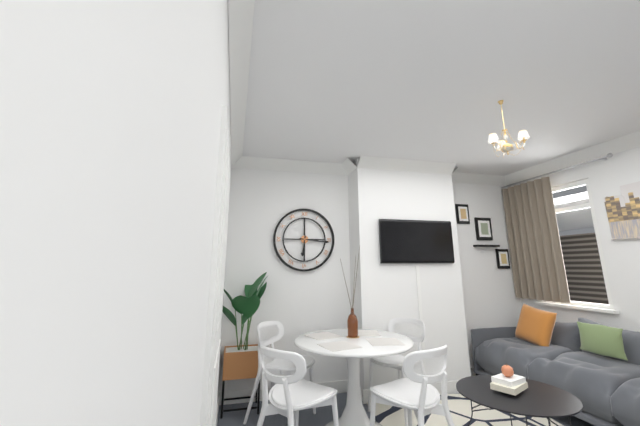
6 h 16 min
